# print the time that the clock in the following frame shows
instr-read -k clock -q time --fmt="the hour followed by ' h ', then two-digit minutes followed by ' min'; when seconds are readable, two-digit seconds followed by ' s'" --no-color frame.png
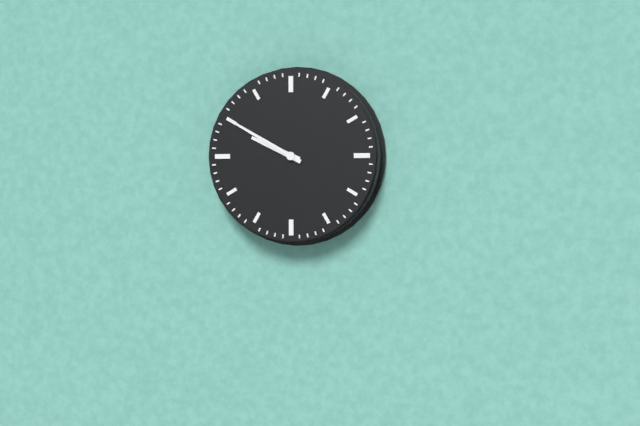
9 h 50 min
